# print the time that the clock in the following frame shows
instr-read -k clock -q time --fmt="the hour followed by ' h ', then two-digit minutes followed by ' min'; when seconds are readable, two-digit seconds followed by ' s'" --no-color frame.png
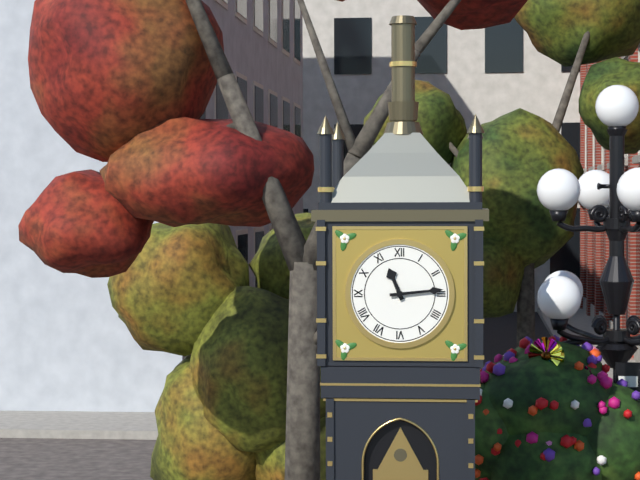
11 h 14 min
